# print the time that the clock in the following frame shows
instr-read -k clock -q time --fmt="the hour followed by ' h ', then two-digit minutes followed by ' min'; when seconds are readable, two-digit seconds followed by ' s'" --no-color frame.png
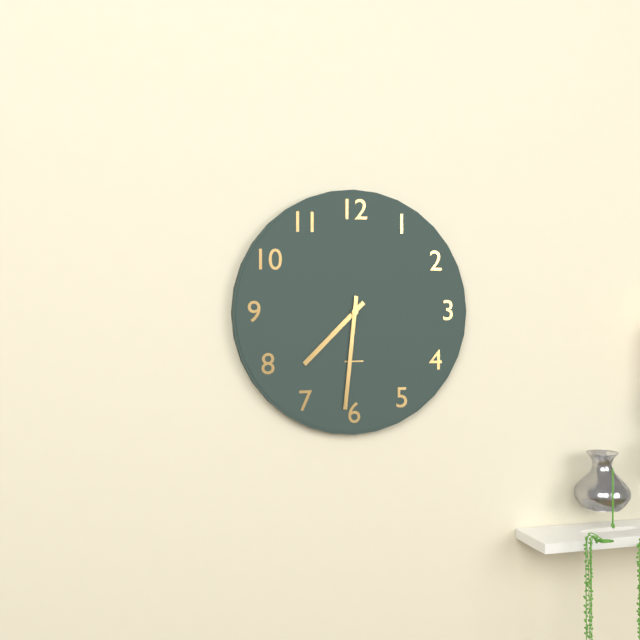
7 h 31 min
